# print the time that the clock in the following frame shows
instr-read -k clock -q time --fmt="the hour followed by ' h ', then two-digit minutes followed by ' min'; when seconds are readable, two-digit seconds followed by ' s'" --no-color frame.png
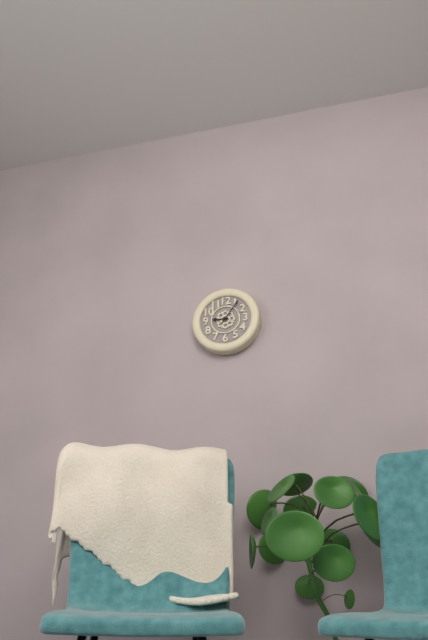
9 h 06 min
